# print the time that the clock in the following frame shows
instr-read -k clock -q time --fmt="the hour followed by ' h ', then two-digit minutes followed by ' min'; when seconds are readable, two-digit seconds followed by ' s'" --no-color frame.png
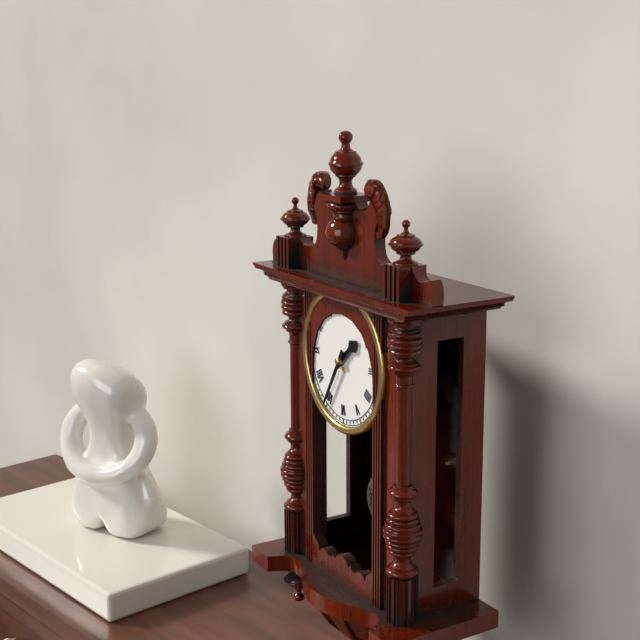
1 h 35 min
